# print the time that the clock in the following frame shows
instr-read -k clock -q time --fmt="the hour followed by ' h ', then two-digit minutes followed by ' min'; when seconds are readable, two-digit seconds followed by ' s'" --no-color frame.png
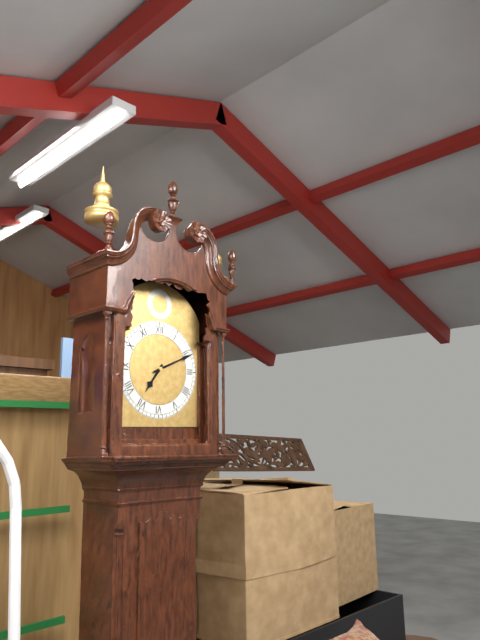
7 h 11 min
